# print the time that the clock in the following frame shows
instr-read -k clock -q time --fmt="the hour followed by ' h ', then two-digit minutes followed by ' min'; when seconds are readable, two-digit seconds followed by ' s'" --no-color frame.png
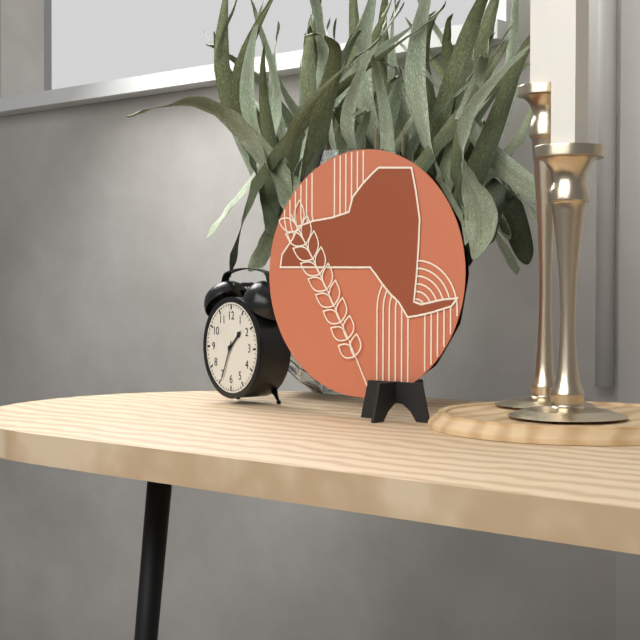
1 h 34 min
